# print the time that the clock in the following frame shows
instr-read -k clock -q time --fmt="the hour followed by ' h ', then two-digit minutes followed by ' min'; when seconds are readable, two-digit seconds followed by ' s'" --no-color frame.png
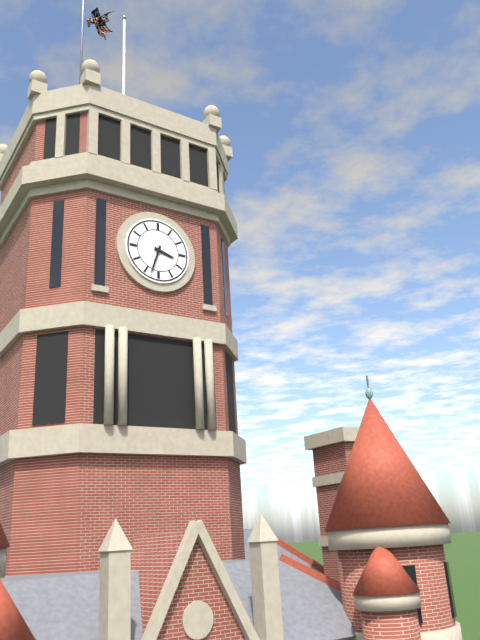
3 h 33 min
